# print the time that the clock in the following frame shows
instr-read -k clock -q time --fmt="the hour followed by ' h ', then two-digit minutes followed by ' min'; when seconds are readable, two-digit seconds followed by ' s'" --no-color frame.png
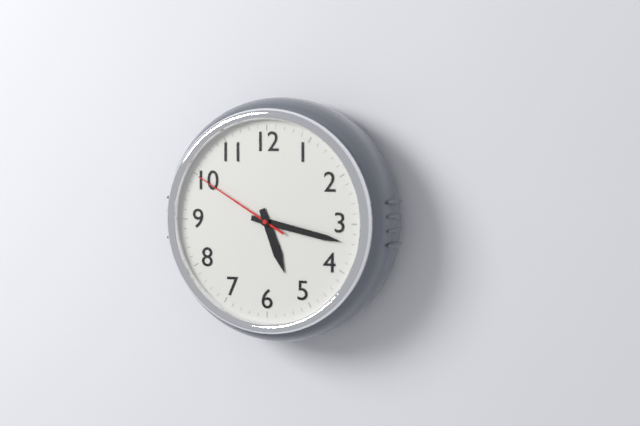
5 h 17 min 50 s
